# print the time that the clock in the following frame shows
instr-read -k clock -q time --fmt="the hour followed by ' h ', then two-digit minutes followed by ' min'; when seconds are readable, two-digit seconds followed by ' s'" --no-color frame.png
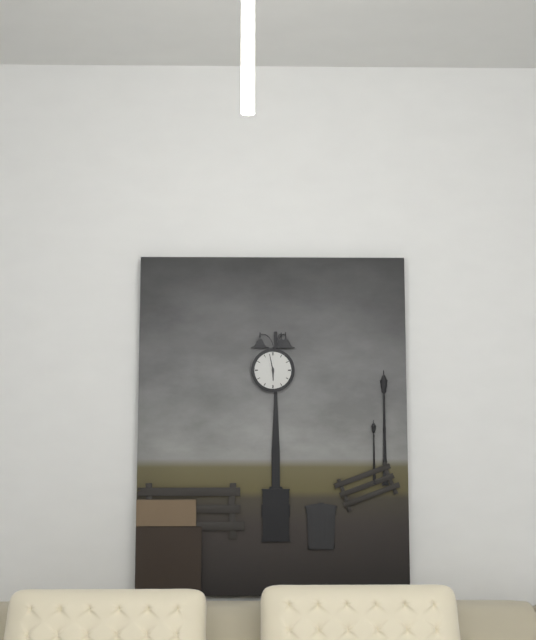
5 h 58 min
